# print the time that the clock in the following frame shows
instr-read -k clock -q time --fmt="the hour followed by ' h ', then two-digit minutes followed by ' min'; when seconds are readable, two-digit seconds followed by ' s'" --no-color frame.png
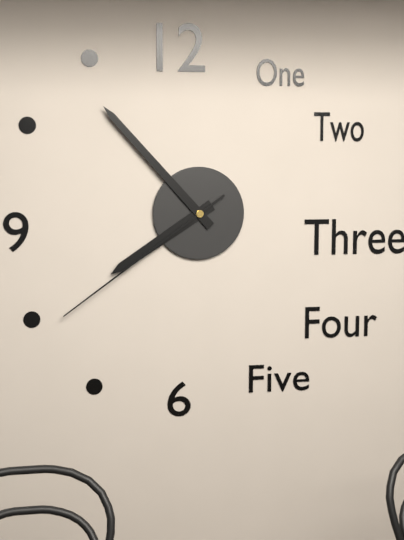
7 h 53 min 39 s
